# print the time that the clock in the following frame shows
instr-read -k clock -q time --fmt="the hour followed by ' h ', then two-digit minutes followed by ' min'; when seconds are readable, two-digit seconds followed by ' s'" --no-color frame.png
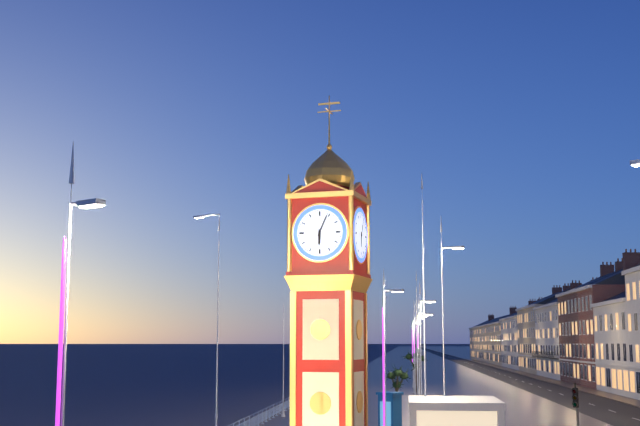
6 h 04 min
